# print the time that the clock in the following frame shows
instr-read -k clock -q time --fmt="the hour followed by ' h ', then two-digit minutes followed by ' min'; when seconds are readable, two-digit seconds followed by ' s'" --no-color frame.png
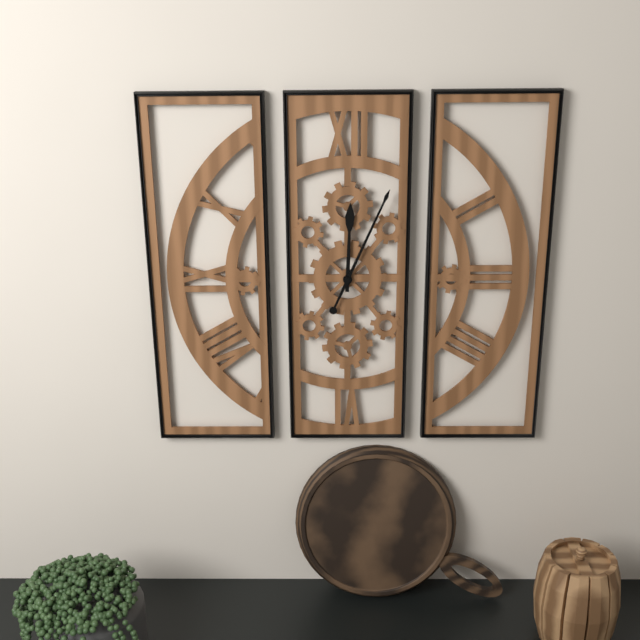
12 h 04 min
